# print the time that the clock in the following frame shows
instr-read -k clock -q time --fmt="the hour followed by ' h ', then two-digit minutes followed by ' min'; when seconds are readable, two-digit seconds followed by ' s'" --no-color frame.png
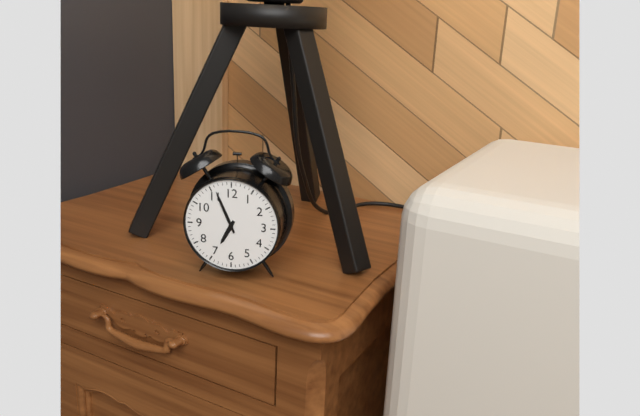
6 h 56 min
